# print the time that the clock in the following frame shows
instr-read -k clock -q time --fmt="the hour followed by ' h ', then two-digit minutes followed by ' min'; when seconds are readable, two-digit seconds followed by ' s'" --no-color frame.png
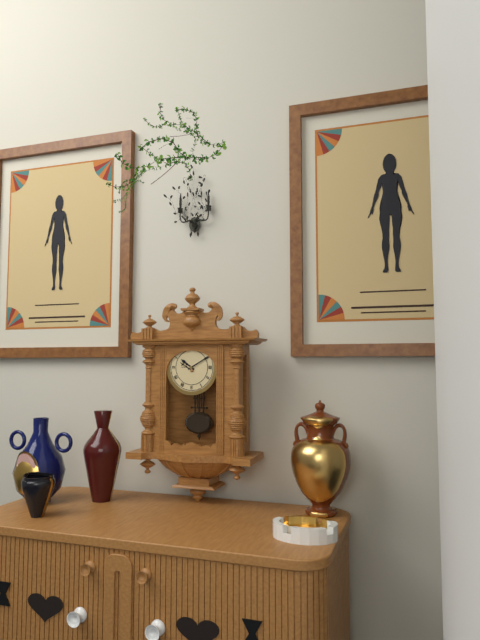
10 h 10 min
